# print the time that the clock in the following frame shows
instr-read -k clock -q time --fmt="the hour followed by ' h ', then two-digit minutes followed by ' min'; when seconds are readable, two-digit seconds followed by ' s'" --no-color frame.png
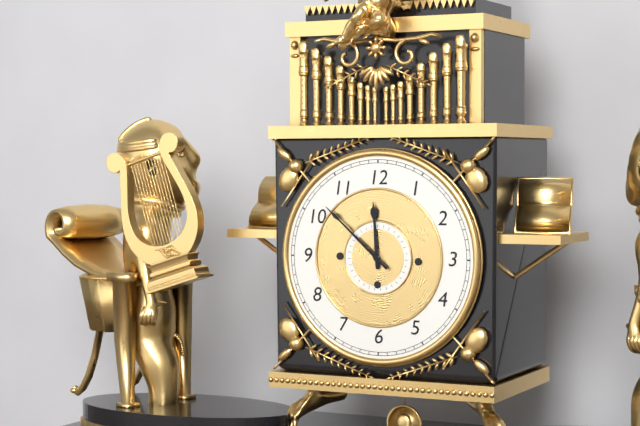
11 h 52 min
